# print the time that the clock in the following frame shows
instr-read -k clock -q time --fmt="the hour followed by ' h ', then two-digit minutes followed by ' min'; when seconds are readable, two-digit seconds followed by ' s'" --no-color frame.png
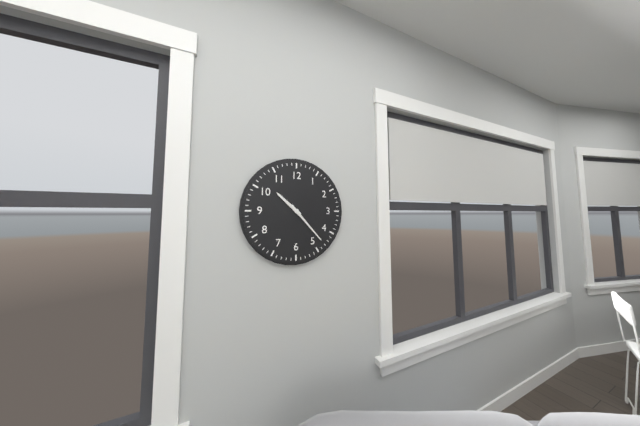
10 h 23 min
